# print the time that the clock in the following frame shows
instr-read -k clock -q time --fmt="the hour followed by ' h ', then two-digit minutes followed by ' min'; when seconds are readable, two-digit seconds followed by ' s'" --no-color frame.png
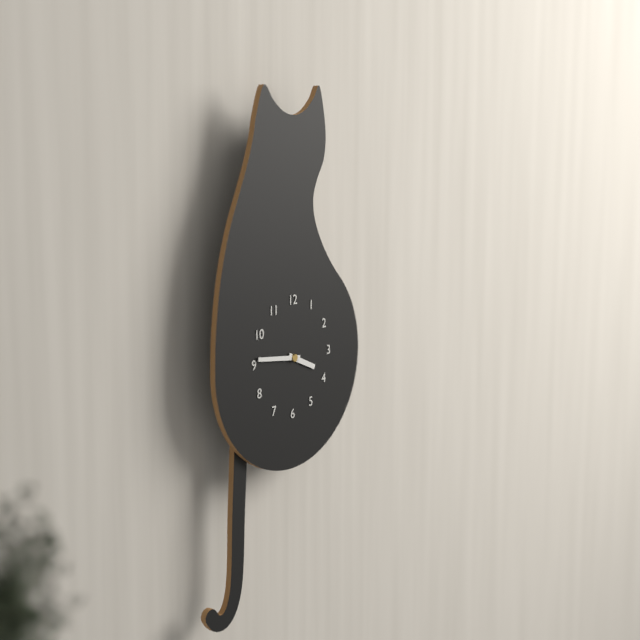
3 h 46 min
